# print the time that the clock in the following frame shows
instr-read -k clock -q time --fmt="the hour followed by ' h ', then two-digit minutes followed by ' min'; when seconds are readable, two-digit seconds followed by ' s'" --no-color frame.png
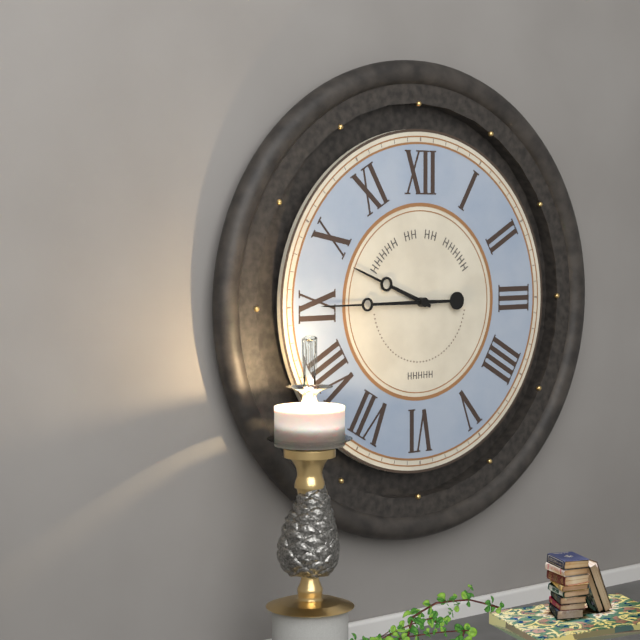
9 h 45 min
